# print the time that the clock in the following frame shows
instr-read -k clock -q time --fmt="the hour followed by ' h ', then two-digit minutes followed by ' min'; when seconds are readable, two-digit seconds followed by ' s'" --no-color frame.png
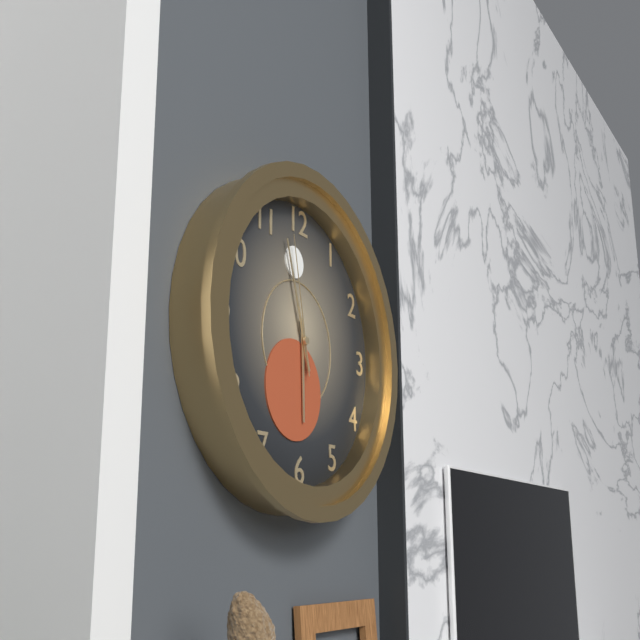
5 h 57 min 58 s
